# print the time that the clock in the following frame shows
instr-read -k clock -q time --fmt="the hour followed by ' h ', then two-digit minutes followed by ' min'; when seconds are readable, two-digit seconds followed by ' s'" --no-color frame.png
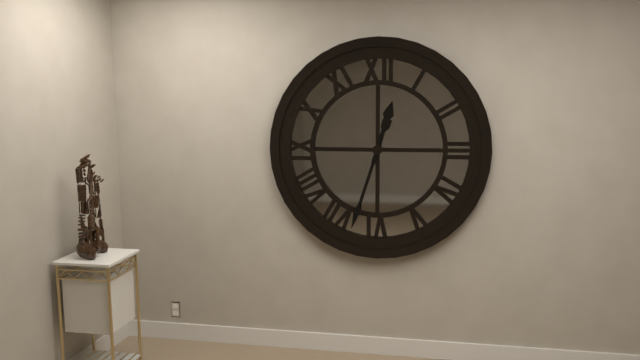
12 h 33 min
